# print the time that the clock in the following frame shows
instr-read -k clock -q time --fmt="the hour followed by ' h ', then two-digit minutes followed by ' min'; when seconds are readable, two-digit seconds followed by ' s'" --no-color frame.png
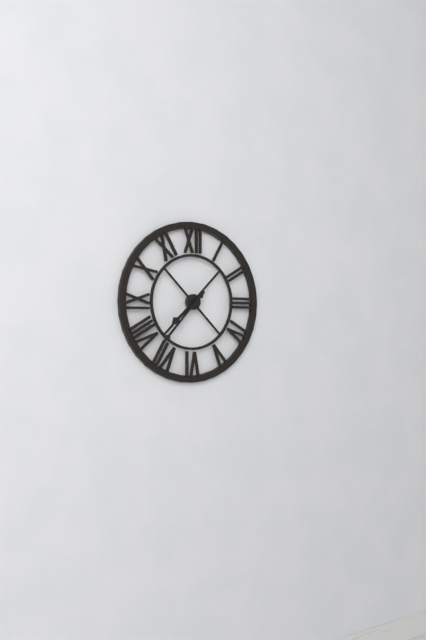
7 h 37 min
